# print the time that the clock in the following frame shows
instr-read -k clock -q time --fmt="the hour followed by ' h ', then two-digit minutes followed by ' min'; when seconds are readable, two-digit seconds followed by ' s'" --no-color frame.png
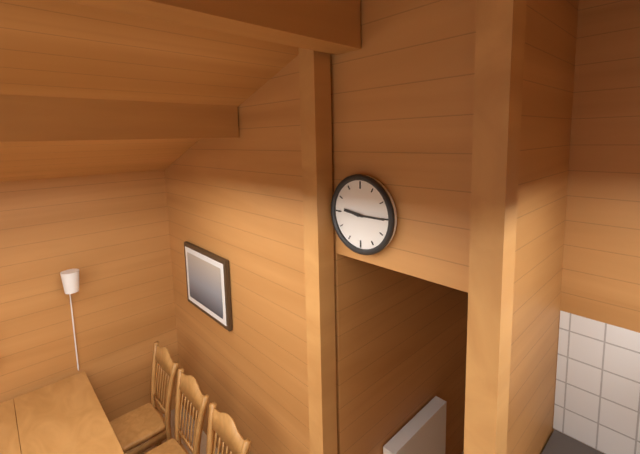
9 h 15 min
